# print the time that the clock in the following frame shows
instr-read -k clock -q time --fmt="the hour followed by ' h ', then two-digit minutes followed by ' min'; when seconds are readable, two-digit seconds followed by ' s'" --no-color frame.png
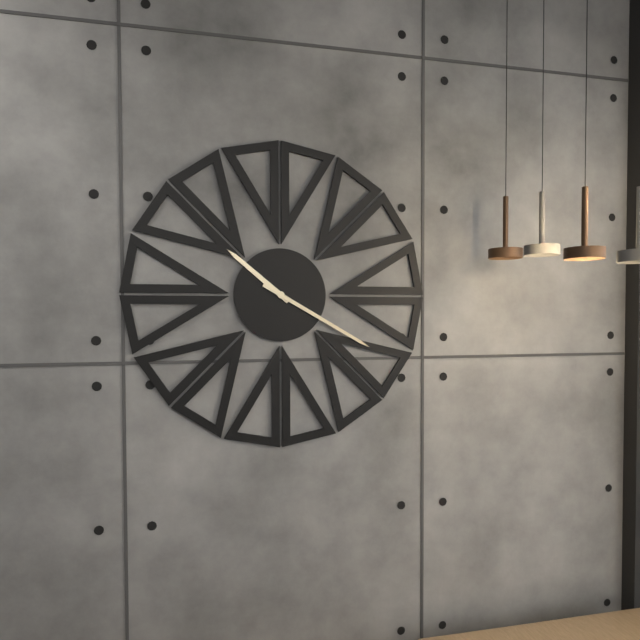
10 h 20 min
